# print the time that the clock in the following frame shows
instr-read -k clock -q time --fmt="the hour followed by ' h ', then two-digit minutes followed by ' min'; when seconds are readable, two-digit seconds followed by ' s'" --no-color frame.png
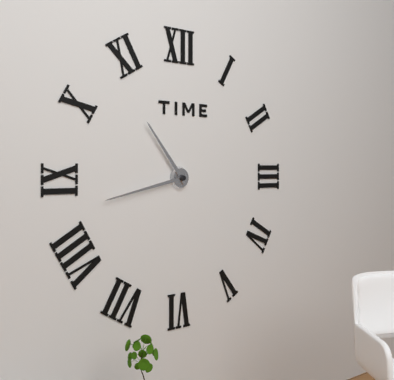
10 h 43 min
